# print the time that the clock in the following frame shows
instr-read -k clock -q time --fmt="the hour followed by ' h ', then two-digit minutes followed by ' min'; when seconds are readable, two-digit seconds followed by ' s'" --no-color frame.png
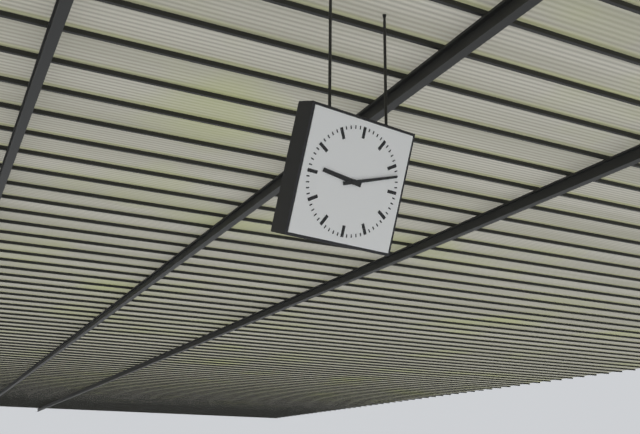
9 h 12 min
